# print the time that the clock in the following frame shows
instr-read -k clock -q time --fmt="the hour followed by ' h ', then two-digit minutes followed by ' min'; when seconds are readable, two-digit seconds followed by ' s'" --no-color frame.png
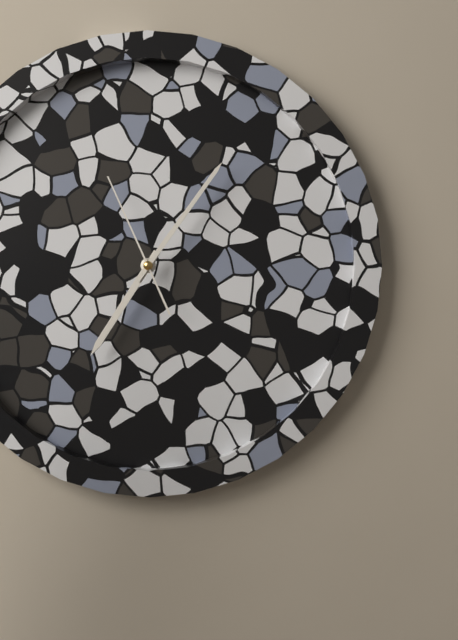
7 h 06 min 56 s
